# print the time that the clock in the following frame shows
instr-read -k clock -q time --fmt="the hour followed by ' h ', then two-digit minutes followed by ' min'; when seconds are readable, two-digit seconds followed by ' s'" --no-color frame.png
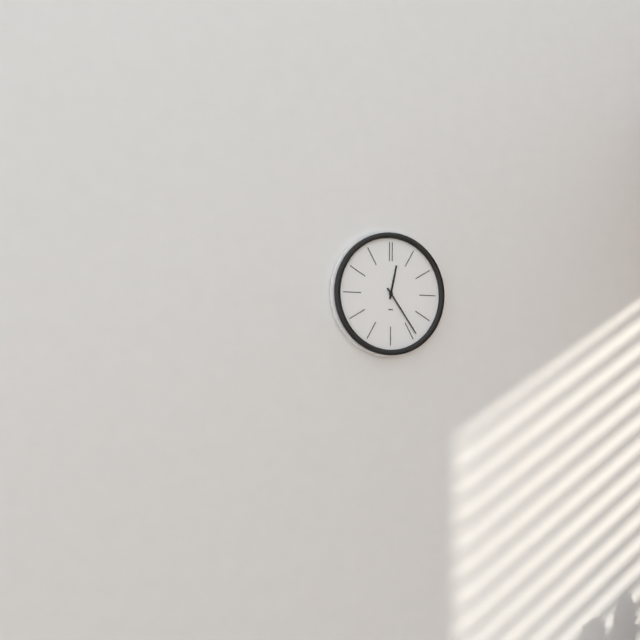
12 h 24 min
